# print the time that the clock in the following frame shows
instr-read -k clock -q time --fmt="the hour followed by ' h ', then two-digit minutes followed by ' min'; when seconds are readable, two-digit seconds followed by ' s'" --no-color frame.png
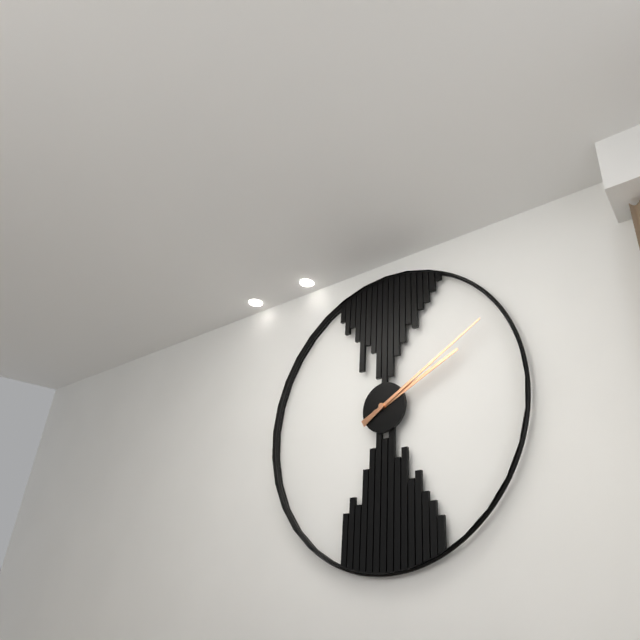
2 h 10 min
